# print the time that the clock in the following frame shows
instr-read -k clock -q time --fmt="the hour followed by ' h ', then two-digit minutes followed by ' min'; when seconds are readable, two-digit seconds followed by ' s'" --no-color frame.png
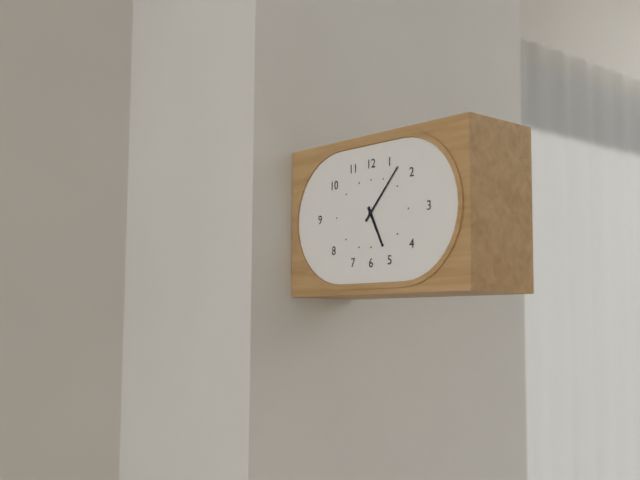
5 h 07 min
